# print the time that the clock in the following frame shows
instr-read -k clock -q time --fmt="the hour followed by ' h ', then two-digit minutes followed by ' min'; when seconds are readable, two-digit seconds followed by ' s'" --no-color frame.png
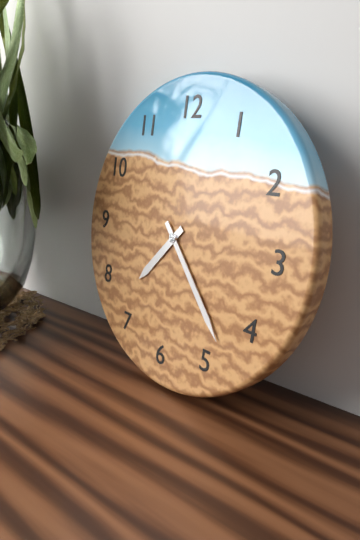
7 h 23 min
